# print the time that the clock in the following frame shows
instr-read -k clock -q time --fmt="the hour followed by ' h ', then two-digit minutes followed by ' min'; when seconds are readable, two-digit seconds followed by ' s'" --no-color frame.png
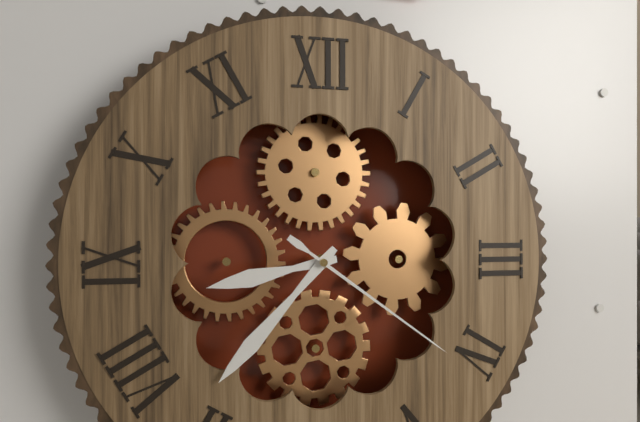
8 h 37 min 21 s
